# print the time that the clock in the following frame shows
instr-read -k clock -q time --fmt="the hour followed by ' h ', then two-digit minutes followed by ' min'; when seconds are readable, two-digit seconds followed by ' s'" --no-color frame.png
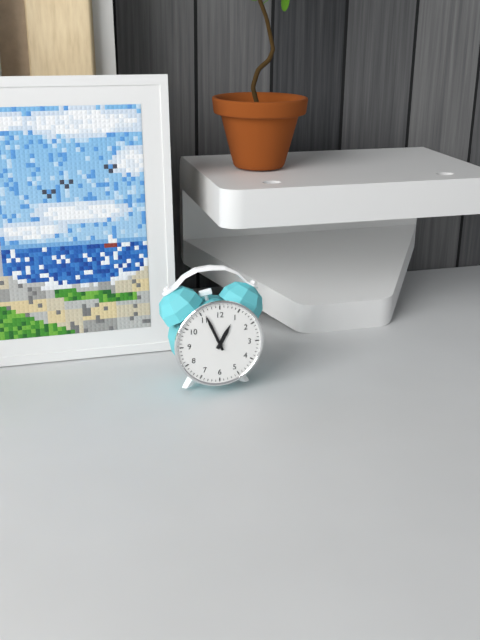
12 h 56 min
